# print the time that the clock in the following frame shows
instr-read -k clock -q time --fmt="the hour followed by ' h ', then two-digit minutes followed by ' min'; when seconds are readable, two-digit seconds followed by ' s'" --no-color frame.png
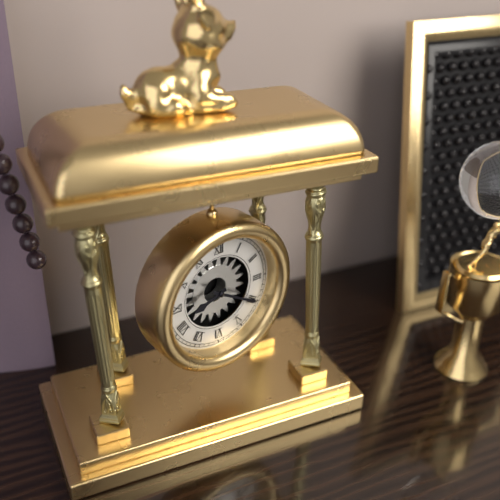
8 h 20 min
